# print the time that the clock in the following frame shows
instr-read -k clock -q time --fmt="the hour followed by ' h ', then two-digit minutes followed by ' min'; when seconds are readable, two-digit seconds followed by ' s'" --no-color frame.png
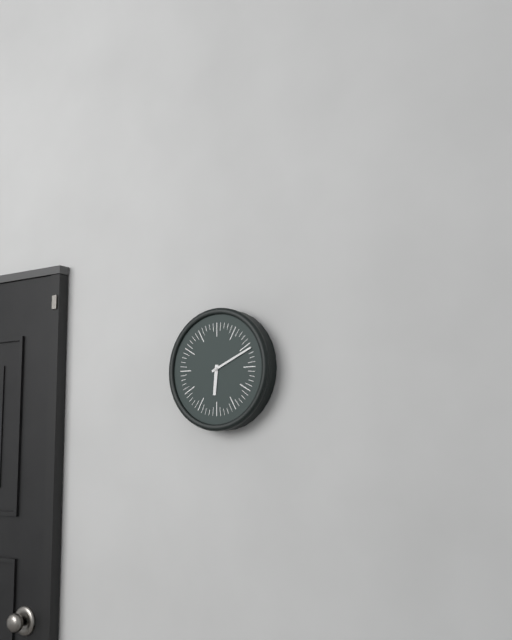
6 h 11 min
